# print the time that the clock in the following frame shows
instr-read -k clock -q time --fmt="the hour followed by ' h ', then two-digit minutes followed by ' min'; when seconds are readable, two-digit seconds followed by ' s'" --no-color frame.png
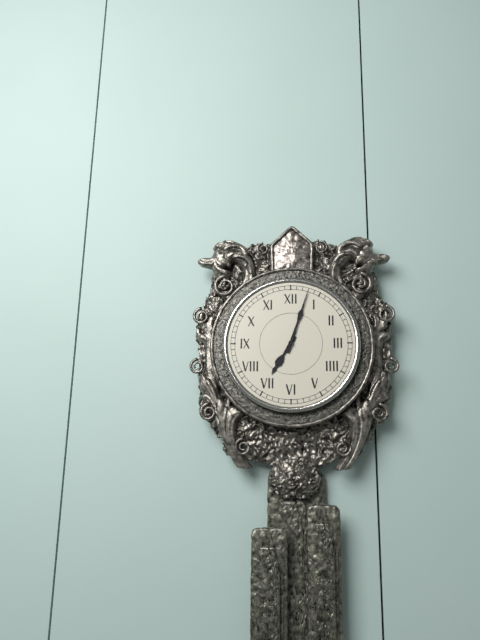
7 h 03 min
